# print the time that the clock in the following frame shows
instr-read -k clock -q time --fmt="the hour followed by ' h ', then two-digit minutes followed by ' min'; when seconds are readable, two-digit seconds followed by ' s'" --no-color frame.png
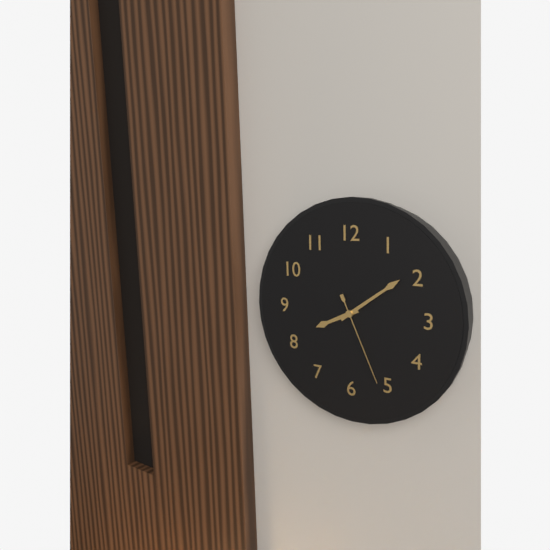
8 h 09 min 26 s
